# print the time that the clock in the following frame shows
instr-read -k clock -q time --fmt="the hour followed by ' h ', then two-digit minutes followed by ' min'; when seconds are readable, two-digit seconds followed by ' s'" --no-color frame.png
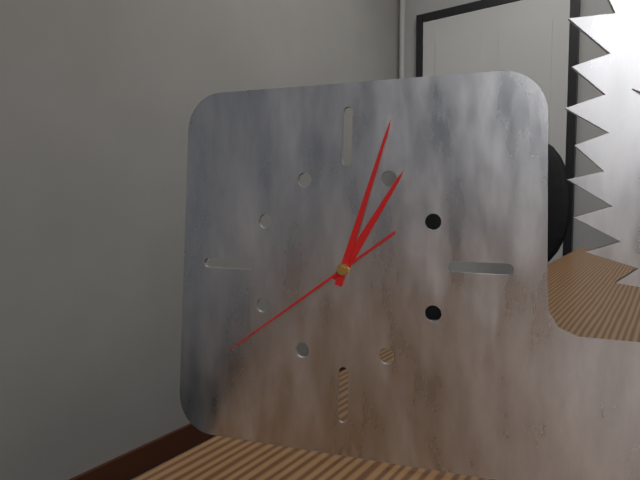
1 h 03 min 39 s
